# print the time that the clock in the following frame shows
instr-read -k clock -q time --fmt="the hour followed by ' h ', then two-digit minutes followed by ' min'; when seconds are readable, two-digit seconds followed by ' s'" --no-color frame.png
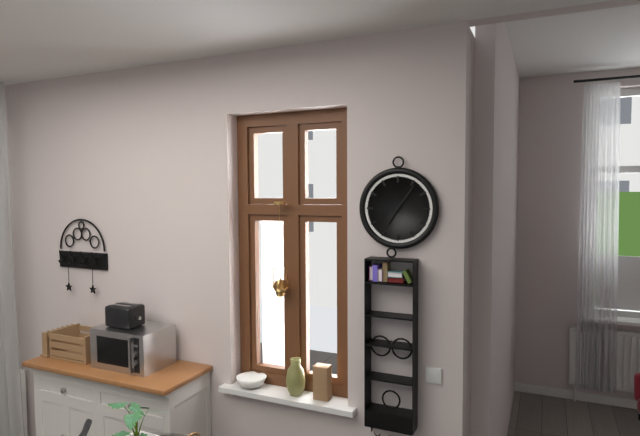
7 h 06 min
